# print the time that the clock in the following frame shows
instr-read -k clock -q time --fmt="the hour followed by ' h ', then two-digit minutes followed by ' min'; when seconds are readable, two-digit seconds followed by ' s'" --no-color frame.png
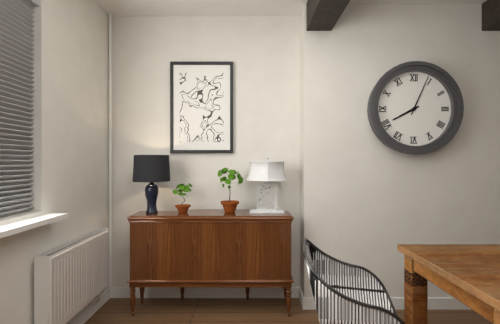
8 h 04 min
